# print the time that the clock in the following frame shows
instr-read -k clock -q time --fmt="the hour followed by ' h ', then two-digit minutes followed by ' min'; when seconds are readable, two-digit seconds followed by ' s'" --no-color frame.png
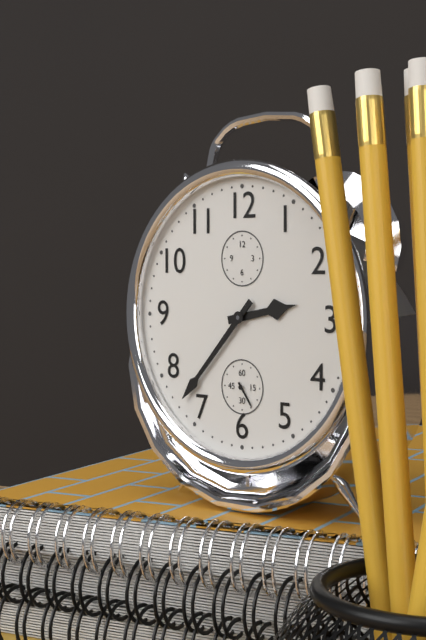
2 h 37 min
